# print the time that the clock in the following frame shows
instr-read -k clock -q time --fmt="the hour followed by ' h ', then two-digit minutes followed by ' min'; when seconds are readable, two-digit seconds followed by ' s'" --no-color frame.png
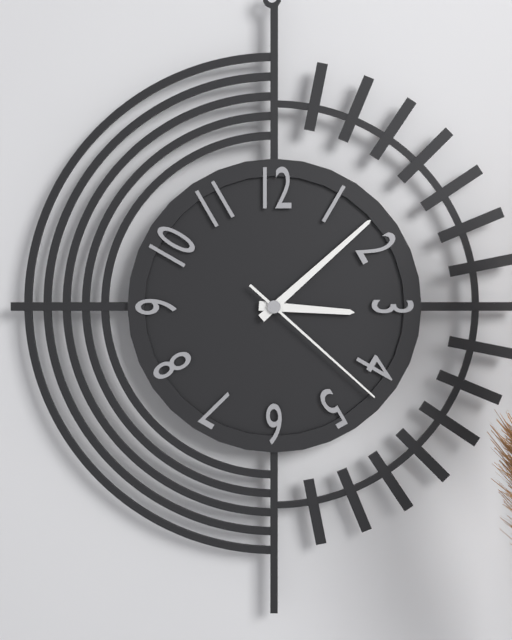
3 h 08 min 22 s
